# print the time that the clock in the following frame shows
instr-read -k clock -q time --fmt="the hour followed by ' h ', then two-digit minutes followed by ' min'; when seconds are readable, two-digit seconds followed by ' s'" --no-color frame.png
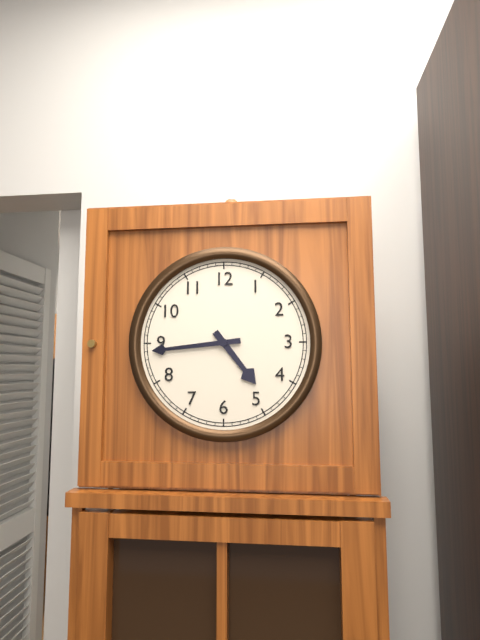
4 h 44 min
